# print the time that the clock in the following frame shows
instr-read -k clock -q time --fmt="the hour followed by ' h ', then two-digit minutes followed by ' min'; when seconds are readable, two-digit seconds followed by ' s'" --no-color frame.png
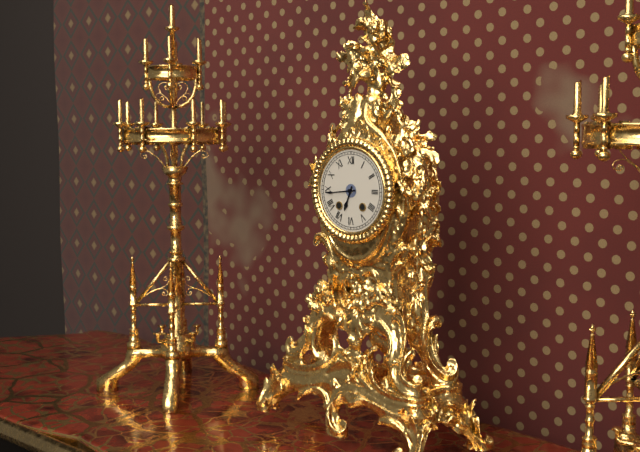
6 h 44 min
